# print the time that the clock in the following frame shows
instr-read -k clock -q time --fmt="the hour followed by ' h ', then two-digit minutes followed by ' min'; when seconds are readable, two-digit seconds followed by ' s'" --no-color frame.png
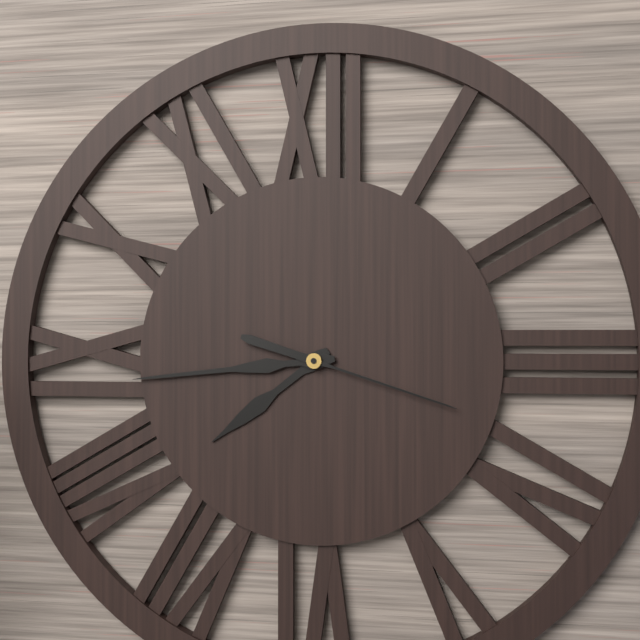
7 h 44 min 18 s
